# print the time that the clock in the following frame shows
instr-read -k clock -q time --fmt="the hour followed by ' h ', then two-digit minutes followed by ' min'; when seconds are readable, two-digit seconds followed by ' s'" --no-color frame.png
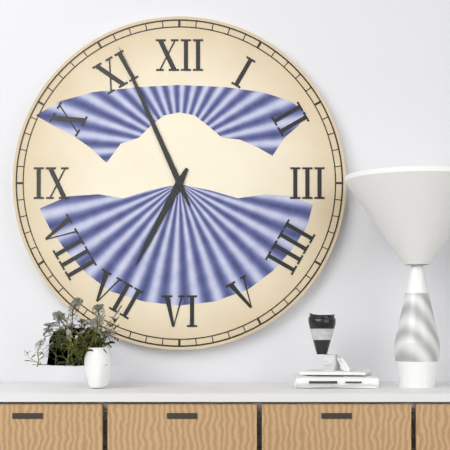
6 h 56 min
